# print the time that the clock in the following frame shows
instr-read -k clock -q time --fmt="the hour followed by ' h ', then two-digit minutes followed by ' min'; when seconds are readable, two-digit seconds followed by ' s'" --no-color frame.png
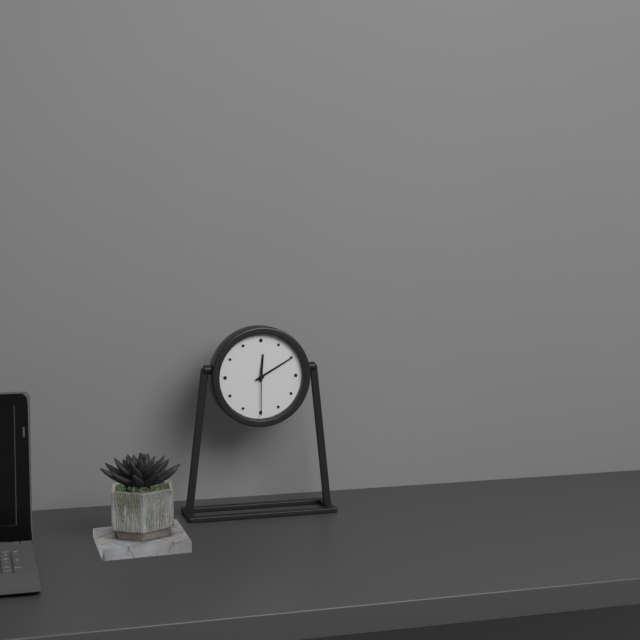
12 h 10 min
